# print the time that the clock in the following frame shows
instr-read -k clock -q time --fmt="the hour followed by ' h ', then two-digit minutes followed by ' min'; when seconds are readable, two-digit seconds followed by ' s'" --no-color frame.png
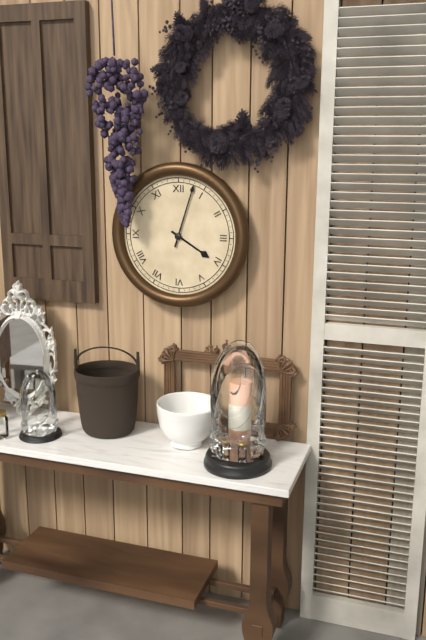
4 h 03 min
